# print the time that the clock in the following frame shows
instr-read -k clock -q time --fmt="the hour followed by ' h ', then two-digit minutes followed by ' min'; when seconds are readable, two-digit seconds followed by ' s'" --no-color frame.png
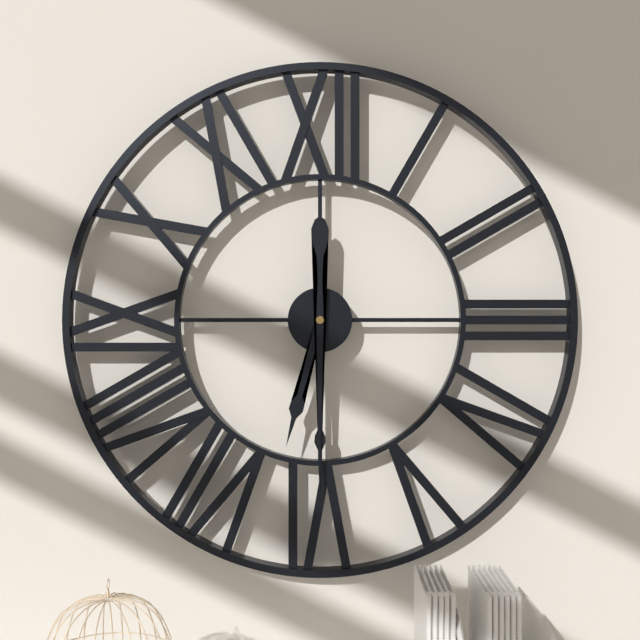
6 h 30 min
